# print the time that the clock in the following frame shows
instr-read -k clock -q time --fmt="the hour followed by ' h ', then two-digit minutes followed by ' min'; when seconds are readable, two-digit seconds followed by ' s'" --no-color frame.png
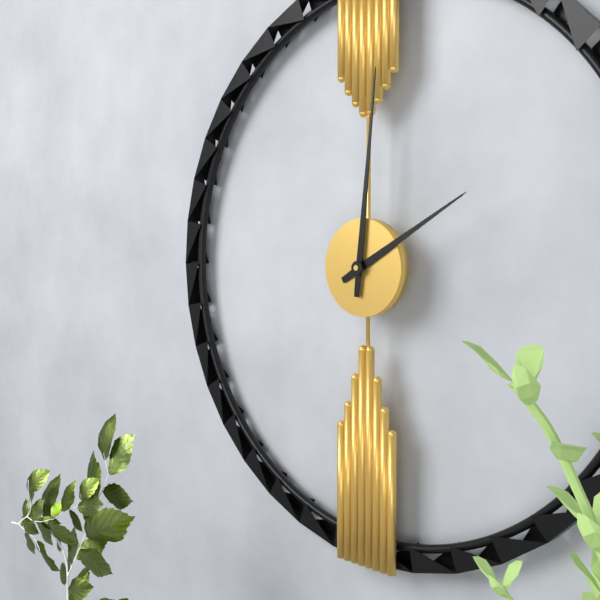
2 h 01 min
